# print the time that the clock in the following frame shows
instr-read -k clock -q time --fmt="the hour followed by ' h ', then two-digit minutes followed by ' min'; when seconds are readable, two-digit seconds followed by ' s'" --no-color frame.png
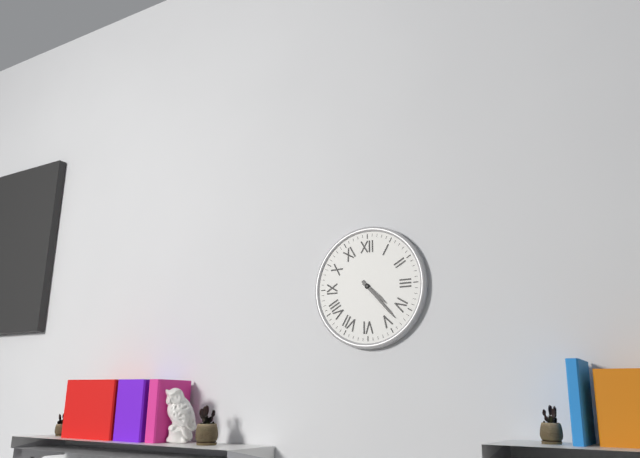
4 h 23 min
